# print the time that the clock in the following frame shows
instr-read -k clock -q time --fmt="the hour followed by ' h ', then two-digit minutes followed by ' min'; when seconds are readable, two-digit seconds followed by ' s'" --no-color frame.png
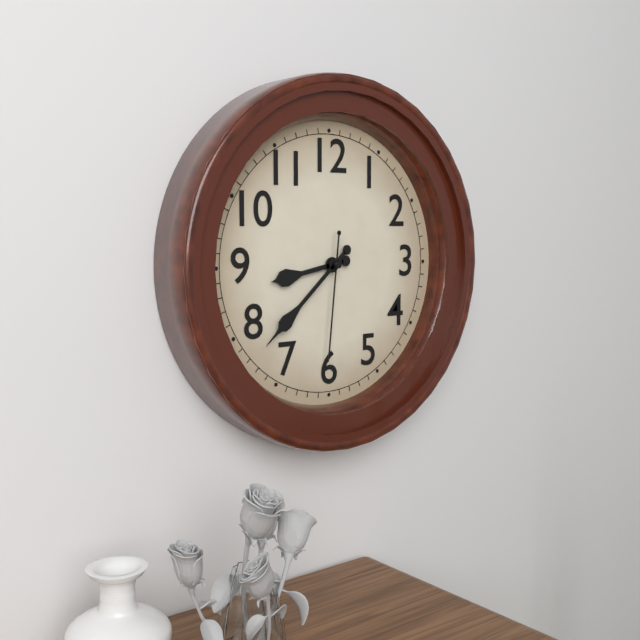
8 h 38 min 31 s
